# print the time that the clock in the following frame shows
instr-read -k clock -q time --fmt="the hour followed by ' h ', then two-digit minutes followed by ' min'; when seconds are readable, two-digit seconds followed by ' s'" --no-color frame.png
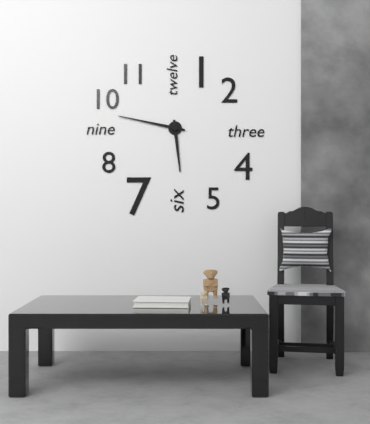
5 h 47 min
